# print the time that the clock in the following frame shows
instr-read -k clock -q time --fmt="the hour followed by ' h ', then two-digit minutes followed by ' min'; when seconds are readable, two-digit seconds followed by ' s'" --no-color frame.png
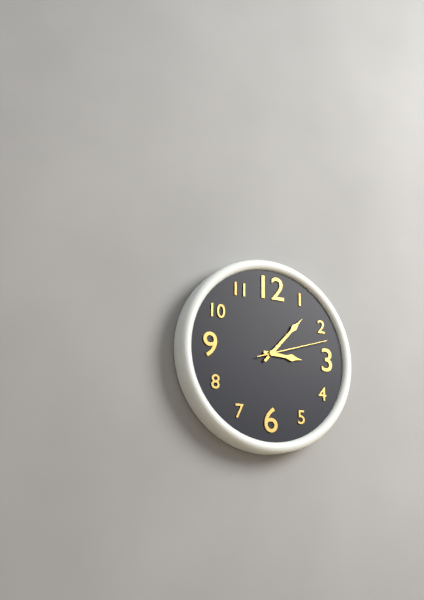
3 h 07 min 12 s
